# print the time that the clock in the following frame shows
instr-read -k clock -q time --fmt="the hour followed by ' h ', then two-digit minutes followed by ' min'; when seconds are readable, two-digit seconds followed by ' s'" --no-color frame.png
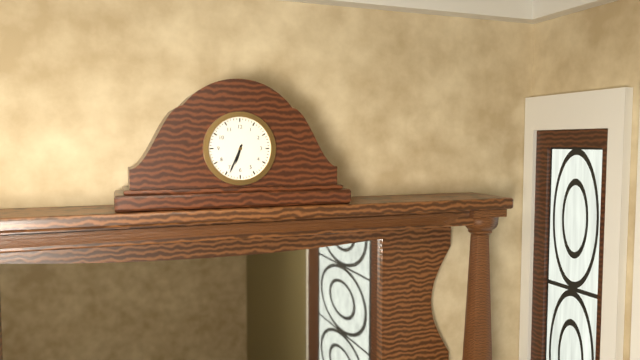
6 h 34 min
